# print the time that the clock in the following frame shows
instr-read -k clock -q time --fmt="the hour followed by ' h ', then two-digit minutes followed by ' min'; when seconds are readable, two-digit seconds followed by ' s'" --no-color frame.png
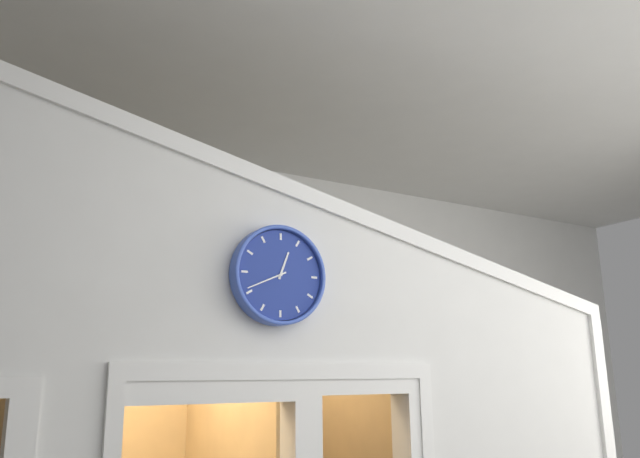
12 h 41 min
